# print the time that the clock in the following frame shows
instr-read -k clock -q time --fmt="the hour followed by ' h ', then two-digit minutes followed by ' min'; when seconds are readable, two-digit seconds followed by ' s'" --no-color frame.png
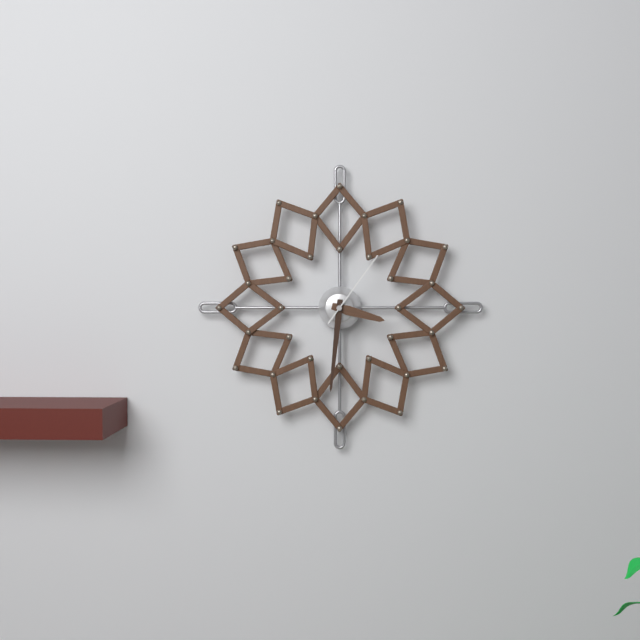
3 h 31 min 06 s
